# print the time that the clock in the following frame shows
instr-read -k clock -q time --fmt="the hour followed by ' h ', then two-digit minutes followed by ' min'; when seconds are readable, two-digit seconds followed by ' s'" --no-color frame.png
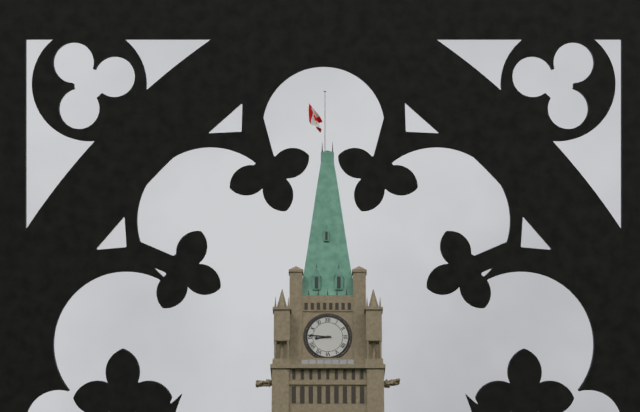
8 h 46 min
